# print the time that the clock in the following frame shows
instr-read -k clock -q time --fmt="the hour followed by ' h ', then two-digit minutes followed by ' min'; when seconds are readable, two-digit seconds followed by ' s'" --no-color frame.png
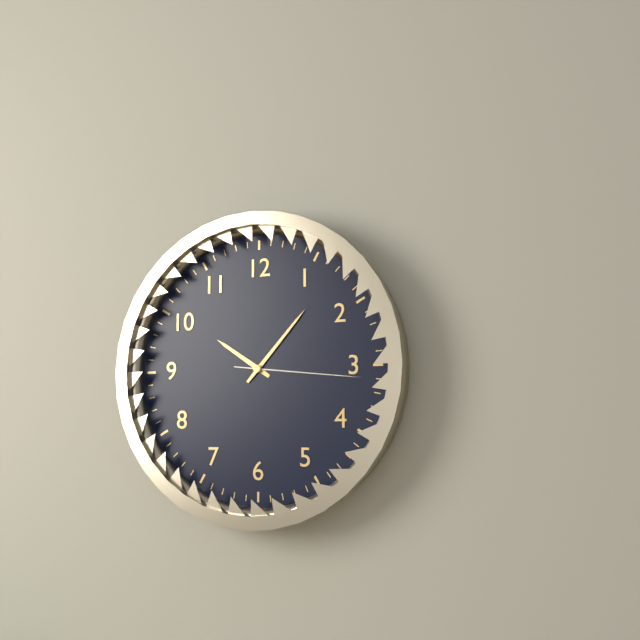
10 h 07 min 16 s
